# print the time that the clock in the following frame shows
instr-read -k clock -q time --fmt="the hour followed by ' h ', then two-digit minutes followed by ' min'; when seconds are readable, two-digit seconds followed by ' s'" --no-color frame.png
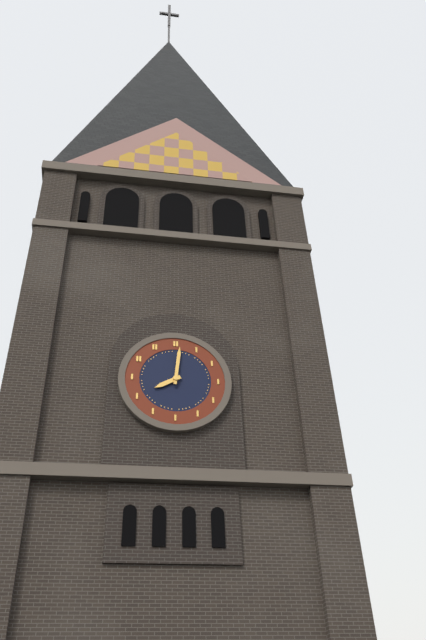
8 h 01 min
